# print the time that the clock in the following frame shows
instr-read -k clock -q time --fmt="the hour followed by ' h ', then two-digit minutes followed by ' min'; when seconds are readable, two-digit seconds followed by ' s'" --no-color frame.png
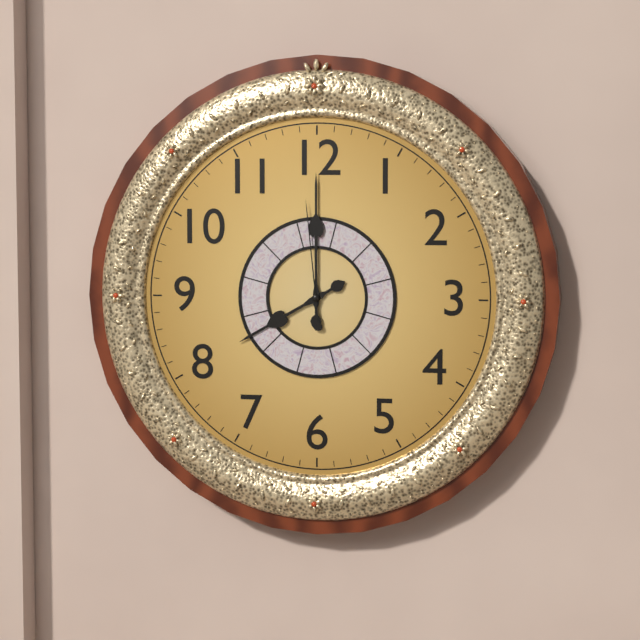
8 h 00 min 59 s
